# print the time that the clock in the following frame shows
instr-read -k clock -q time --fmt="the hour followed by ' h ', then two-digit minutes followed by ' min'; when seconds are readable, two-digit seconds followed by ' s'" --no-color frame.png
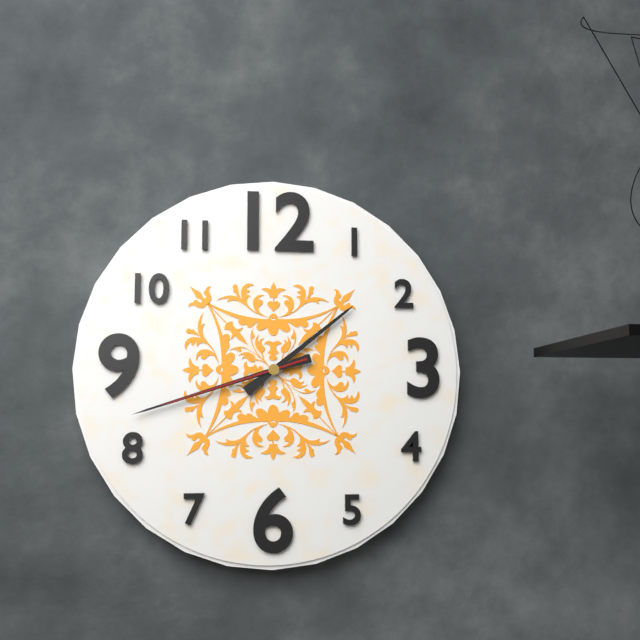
1 h 42 min 42 s
